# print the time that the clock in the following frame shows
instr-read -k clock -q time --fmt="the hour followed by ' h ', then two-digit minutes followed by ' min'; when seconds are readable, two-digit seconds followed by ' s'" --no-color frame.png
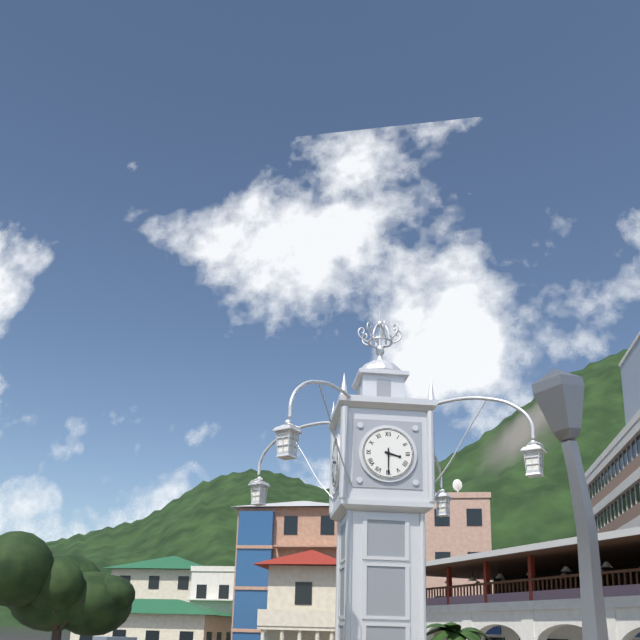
3 h 30 min
